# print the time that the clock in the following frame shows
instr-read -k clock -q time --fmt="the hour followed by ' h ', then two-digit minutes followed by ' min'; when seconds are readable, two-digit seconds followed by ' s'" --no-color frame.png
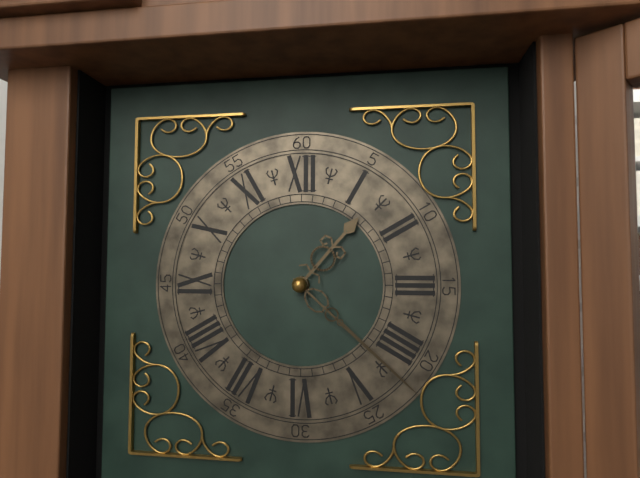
1 h 22 min
